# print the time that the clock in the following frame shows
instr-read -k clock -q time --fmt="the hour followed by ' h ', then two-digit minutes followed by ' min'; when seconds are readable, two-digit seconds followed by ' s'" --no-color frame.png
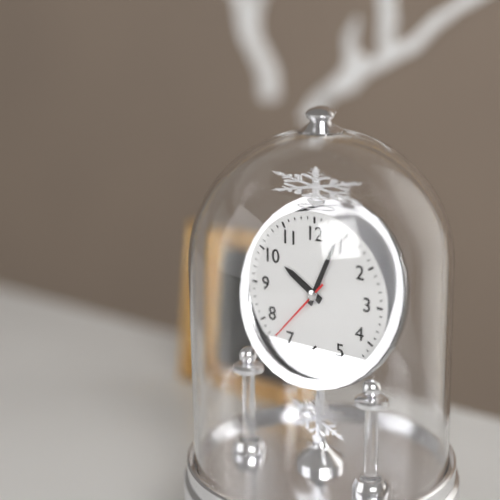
10 h 04 min 37 s
